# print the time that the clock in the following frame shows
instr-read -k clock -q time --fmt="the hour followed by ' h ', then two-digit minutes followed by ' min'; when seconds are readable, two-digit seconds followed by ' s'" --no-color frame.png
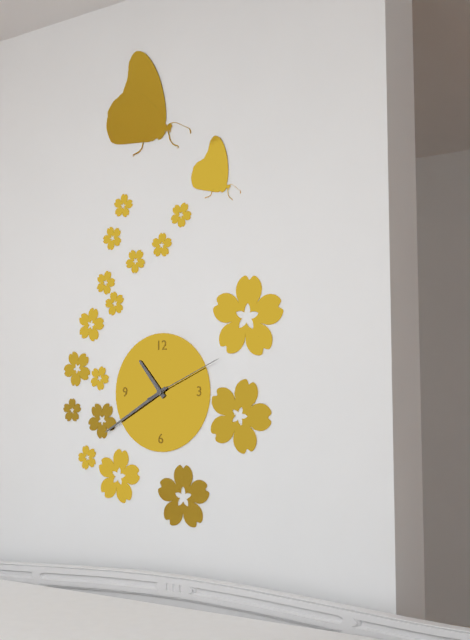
10 h 40 min 11 s
